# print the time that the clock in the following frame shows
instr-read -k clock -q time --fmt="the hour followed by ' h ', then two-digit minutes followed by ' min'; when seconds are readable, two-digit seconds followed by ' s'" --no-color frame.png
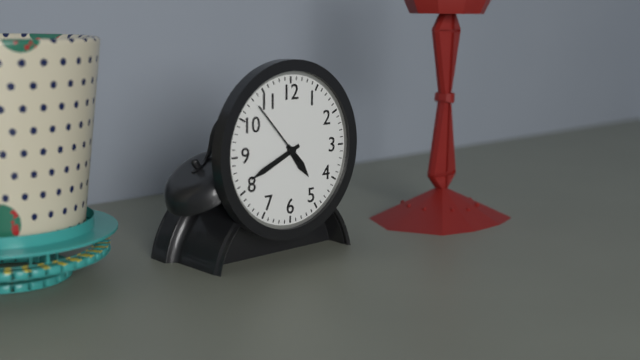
4 h 41 min
